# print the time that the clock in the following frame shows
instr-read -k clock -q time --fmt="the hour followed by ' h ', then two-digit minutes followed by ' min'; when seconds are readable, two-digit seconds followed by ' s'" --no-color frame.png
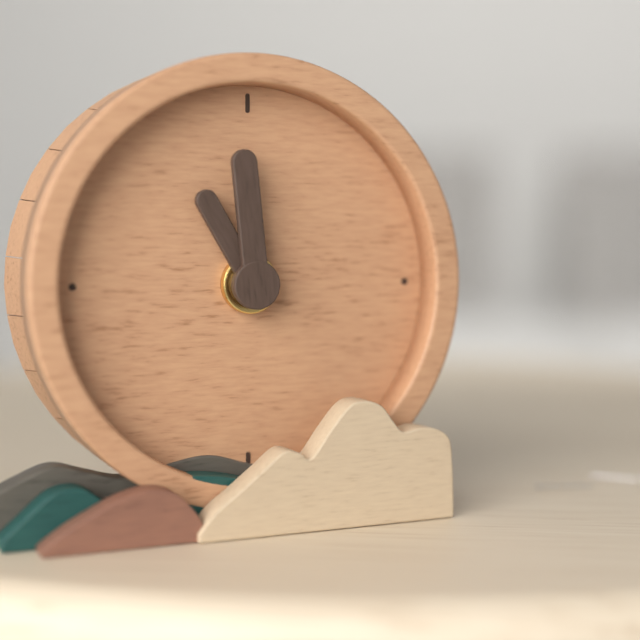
10 h 59 min
